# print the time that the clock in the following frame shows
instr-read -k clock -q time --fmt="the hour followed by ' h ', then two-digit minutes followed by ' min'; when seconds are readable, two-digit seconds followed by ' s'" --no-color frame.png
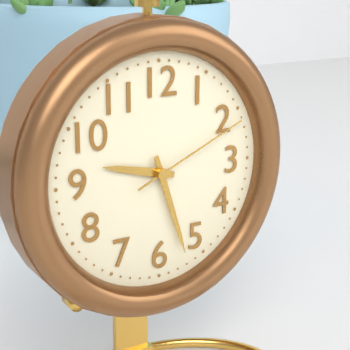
9 h 27 min 11 s
